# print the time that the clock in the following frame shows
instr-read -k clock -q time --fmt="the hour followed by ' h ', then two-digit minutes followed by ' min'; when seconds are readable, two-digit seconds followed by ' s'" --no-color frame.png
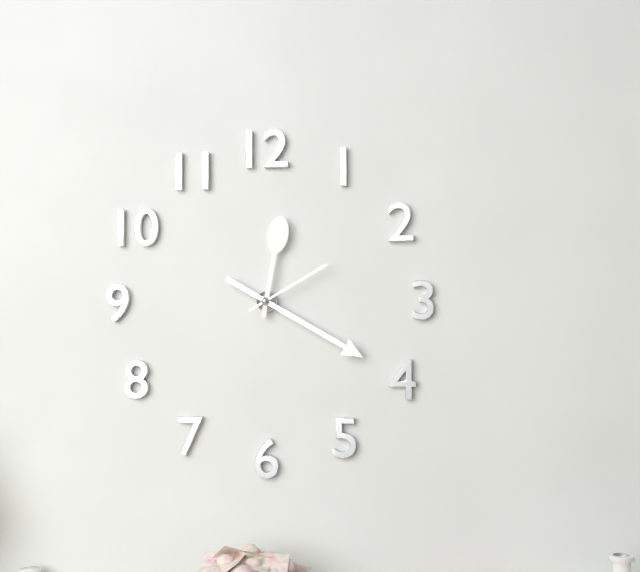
12 h 20 min 10 s
